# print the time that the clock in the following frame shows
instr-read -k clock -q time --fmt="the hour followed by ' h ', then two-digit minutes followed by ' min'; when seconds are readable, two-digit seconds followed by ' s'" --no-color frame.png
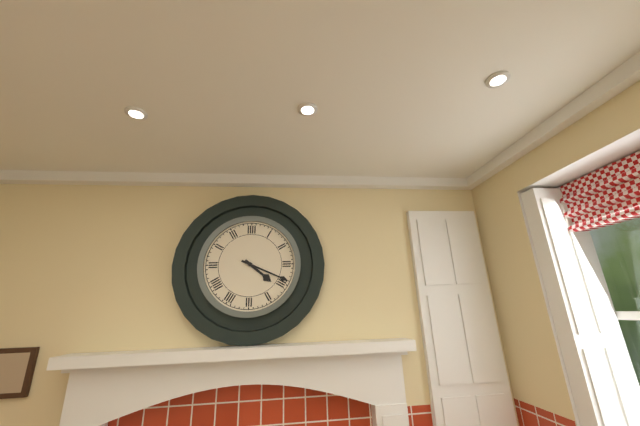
4 h 19 min
